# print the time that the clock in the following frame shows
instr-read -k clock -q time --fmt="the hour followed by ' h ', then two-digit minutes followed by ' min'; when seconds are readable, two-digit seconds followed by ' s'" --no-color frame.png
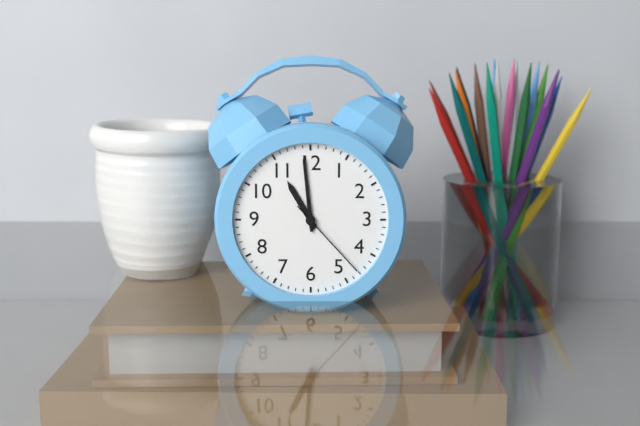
10 h 59 min 23 s
